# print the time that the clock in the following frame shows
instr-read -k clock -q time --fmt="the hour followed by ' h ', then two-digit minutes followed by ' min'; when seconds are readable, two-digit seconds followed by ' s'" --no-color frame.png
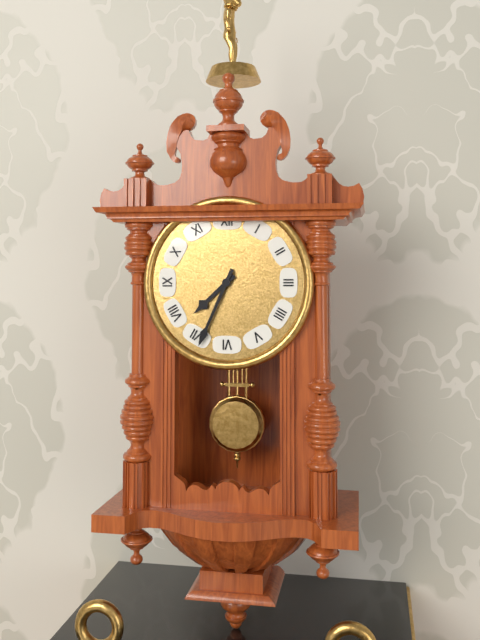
7 h 34 min
